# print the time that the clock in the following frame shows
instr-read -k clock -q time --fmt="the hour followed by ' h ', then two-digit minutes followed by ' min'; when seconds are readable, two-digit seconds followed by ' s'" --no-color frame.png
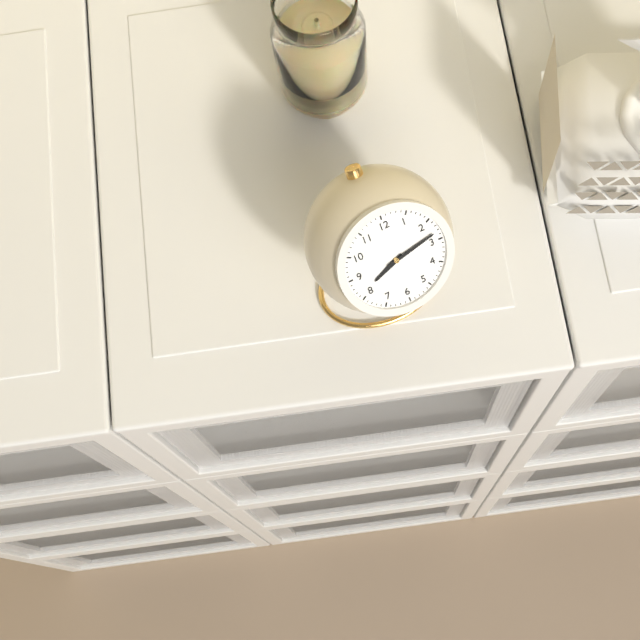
8 h 13 min
